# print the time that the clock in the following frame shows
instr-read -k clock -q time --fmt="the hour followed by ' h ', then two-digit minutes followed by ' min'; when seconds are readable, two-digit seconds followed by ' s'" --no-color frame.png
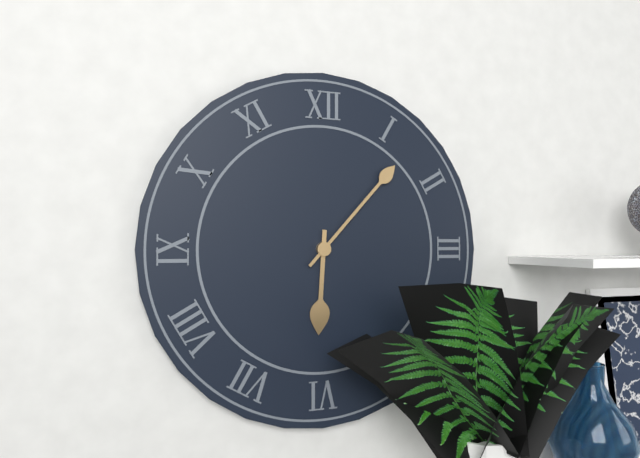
6 h 07 min
